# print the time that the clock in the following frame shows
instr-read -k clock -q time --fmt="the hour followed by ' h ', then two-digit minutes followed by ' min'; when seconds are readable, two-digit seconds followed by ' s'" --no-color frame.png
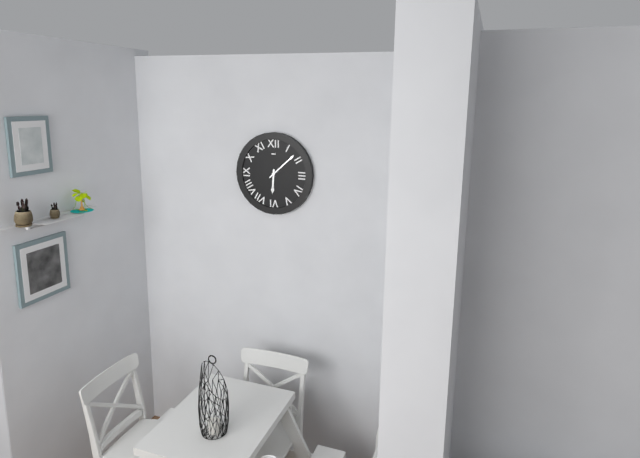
6 h 08 min
